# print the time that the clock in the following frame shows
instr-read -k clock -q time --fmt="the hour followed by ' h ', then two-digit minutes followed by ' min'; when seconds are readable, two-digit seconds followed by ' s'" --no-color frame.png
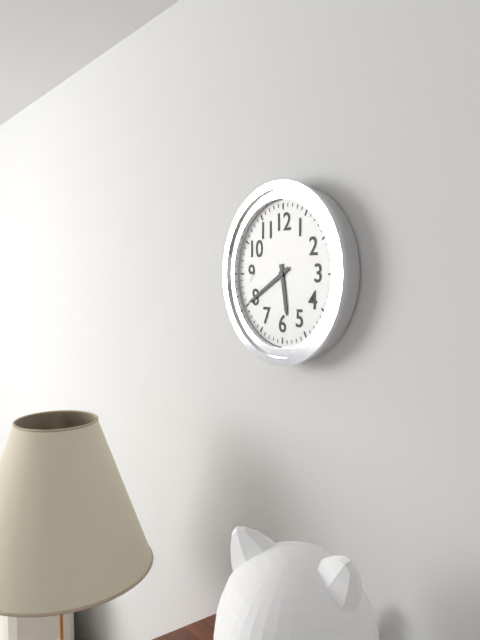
5 h 40 min
